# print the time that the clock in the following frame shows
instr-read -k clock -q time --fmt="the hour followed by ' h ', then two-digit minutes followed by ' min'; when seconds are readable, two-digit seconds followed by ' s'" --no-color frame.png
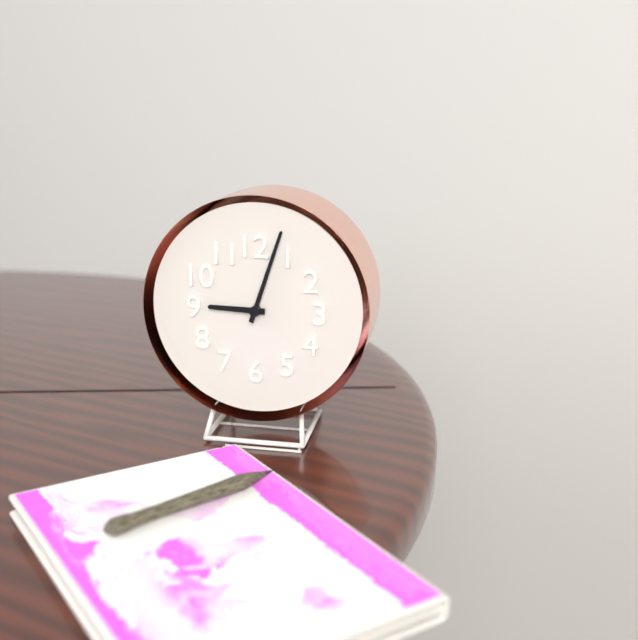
9 h 03 min
